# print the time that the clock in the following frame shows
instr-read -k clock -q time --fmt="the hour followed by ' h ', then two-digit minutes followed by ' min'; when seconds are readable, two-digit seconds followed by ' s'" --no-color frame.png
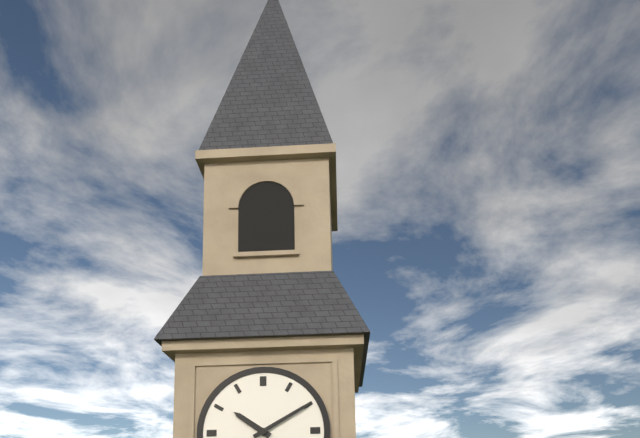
10 h 10 min
